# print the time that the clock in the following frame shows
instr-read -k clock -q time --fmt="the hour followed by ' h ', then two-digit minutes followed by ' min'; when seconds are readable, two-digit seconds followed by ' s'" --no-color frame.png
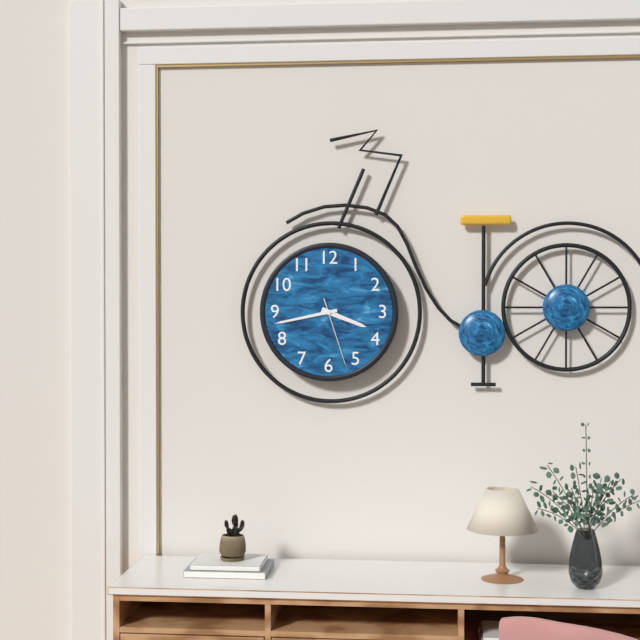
3 h 43 min 27 s
